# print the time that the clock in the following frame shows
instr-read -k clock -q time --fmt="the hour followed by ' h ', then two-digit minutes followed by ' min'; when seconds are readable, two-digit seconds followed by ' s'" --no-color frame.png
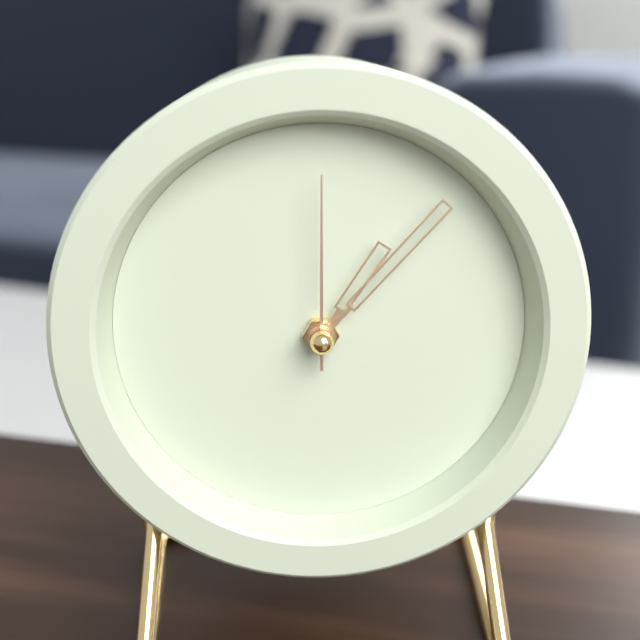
1 h 07 min 00 s
